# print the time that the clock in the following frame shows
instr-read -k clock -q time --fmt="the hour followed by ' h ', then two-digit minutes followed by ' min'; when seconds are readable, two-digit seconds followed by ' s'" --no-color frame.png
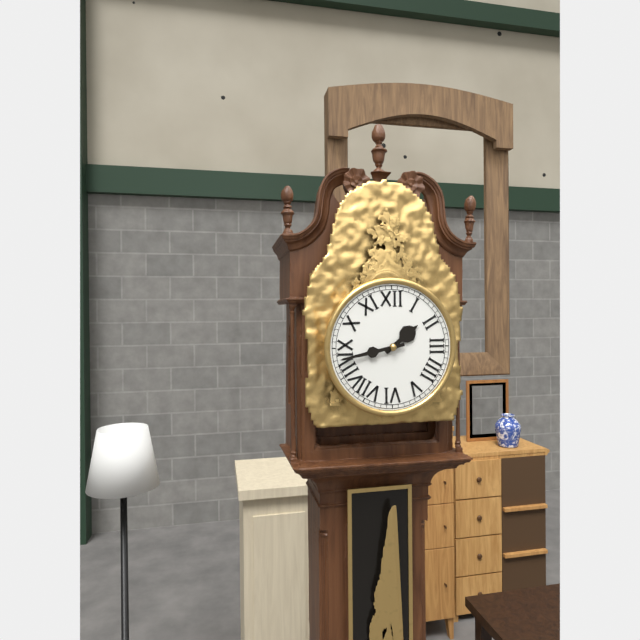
1 h 43 min
